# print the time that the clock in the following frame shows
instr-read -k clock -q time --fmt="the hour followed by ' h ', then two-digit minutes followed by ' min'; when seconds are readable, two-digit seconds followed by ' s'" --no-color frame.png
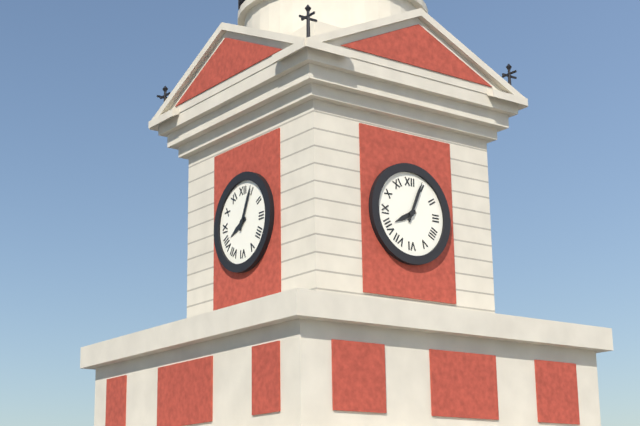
8 h 04 min
